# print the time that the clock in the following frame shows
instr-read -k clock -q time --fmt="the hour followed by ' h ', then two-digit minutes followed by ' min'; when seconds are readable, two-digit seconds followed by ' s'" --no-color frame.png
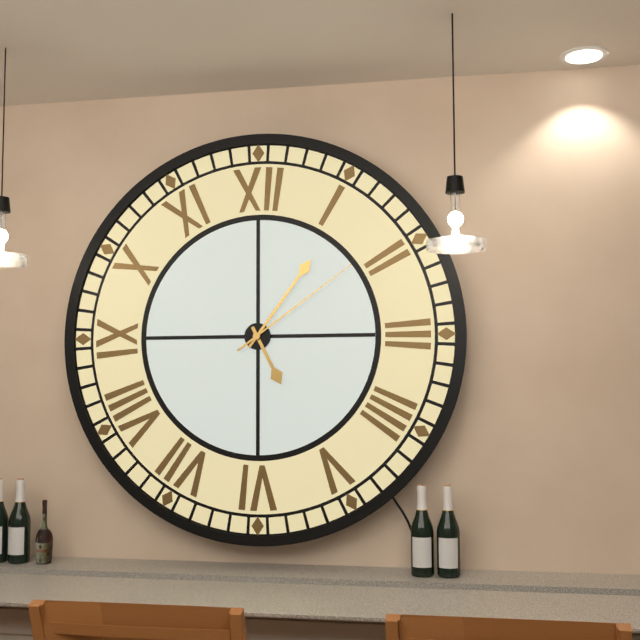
5 h 06 min 09 s
